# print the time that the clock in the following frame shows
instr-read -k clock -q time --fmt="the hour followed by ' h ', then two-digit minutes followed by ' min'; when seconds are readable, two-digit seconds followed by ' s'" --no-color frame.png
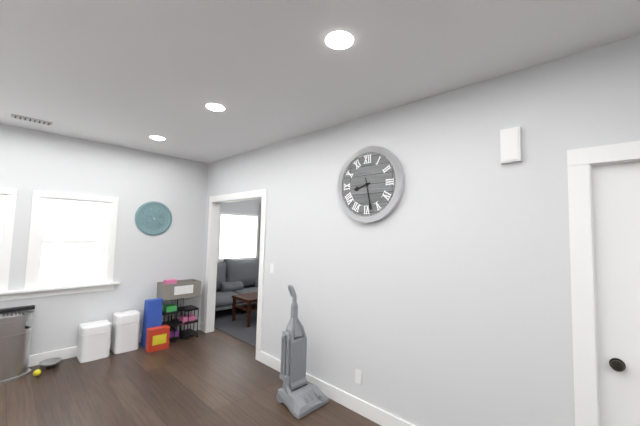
8 h 28 min
